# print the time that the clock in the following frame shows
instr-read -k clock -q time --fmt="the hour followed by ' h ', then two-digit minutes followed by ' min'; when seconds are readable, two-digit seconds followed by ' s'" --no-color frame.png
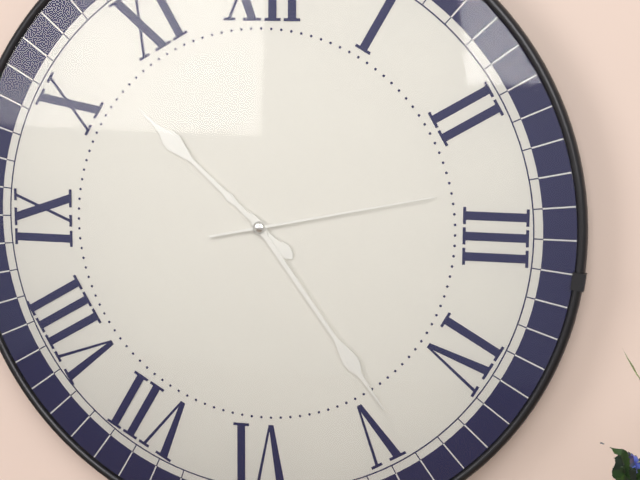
10 h 24 min 13 s
